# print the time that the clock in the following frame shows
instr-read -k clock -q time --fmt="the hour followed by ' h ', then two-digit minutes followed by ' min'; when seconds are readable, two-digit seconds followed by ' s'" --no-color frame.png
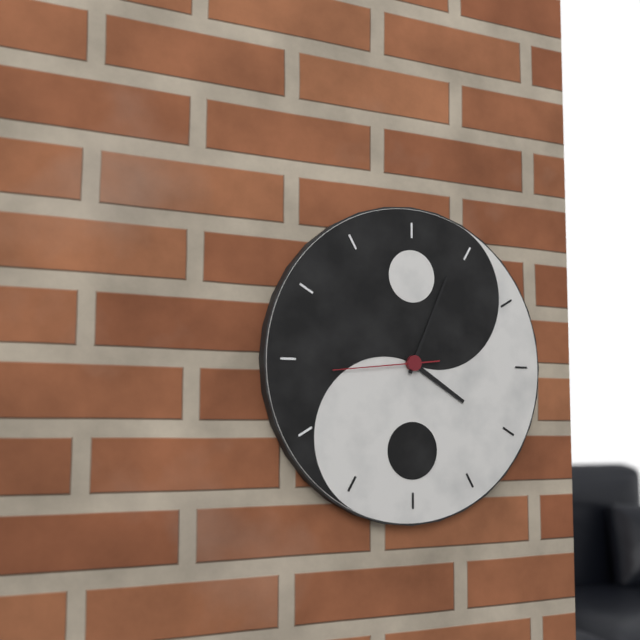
4 h 04 min 44 s
